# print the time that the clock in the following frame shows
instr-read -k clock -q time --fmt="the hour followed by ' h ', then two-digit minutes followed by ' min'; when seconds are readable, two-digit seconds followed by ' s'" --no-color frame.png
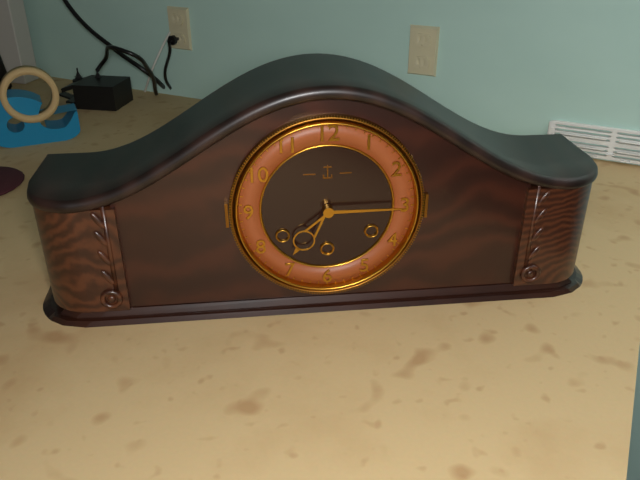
7 h 15 min
